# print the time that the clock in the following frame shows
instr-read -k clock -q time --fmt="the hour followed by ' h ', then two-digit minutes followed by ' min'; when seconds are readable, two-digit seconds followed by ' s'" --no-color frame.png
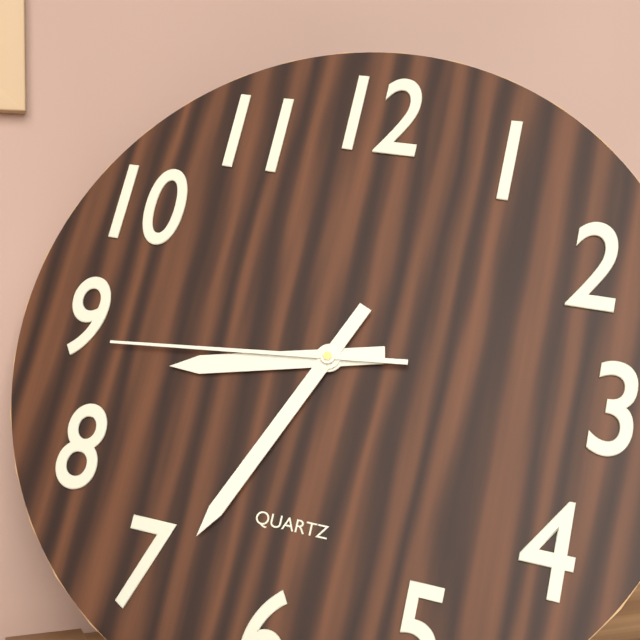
8 h 34 min 44 s
